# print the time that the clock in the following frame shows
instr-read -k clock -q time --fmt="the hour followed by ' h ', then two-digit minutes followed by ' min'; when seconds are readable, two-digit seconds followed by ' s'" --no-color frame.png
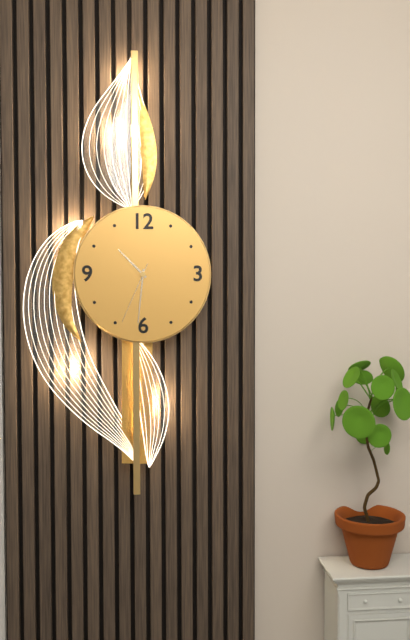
10 h 31 min 34 s
